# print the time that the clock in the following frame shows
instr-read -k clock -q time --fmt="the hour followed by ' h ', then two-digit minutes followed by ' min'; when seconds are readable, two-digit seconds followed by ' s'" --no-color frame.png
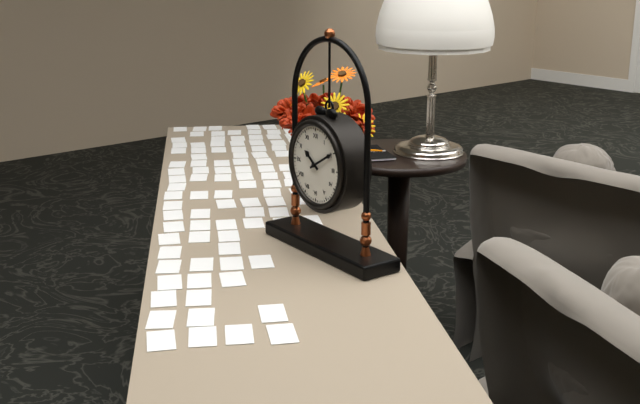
10 h 10 min
